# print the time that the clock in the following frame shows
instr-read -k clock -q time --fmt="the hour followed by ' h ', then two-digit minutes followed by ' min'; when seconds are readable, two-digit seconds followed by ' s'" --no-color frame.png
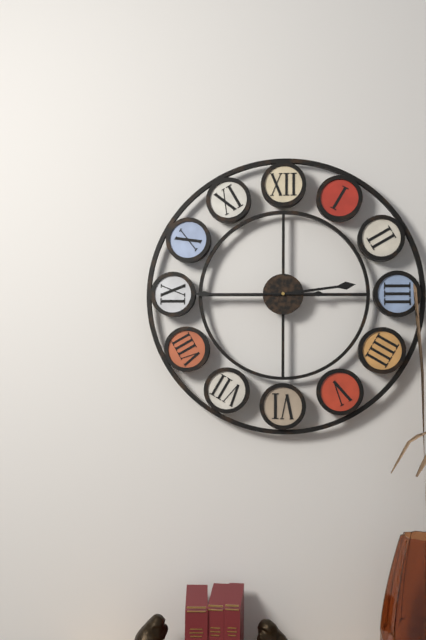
2 h 45 min
